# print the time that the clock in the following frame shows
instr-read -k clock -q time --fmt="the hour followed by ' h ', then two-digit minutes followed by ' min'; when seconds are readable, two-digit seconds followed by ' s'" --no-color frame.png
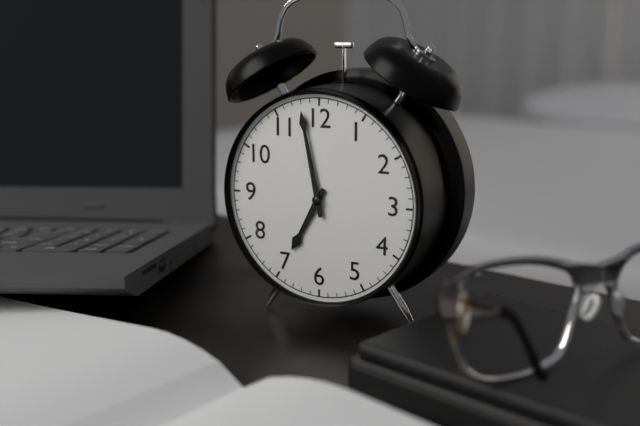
6 h 58 min
